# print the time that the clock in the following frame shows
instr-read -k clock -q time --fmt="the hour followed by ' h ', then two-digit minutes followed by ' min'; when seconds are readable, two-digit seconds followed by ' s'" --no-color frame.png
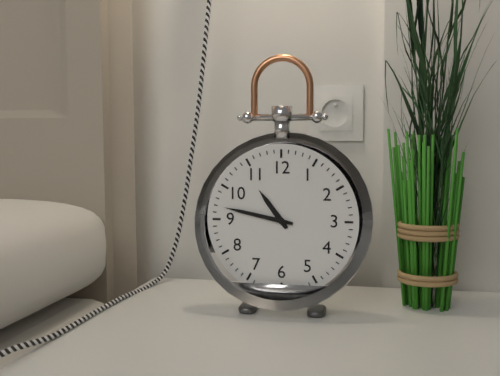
10 h 47 min
